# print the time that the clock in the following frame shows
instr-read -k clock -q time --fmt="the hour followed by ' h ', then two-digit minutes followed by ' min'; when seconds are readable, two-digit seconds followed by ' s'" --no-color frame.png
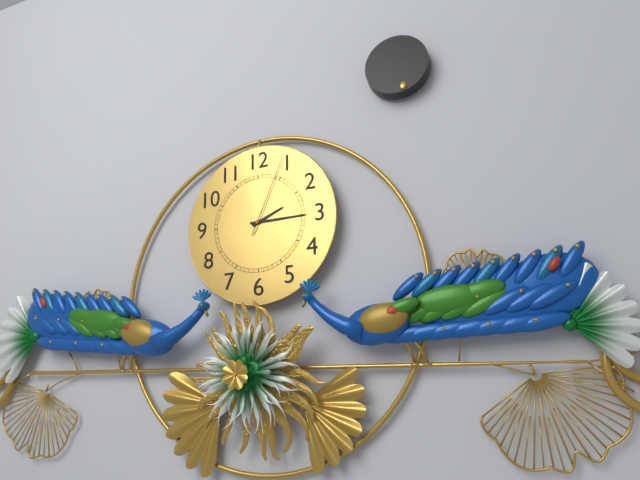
2 h 15 min 04 s
